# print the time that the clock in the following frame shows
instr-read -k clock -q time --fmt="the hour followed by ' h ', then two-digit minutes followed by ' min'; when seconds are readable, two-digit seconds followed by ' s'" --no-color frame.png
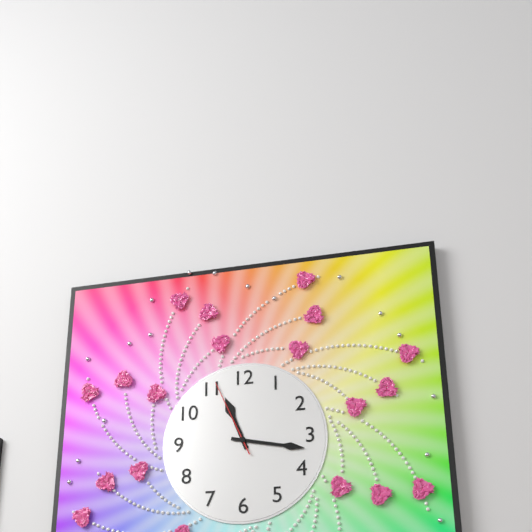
11 h 17 min 56 s
